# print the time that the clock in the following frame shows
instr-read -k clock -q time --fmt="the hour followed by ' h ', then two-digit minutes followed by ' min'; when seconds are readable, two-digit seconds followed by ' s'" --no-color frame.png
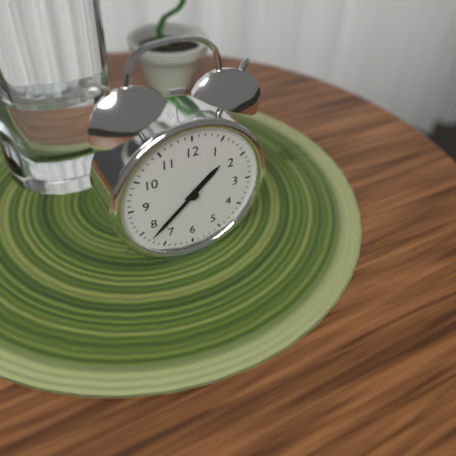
1 h 38 min
